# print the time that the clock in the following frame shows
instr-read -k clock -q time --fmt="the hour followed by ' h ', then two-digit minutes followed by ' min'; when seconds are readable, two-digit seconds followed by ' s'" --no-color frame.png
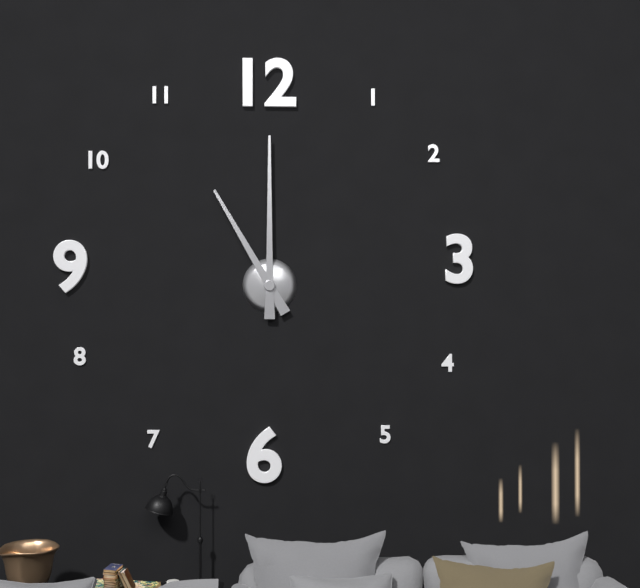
11 h 00 min
